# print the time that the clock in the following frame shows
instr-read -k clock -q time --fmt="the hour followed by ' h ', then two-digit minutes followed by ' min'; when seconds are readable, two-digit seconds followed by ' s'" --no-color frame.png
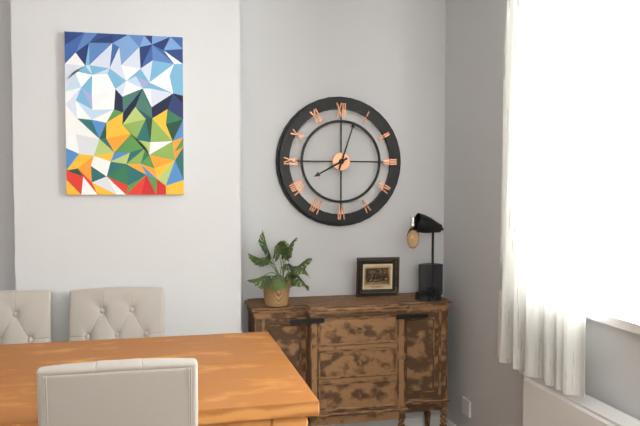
8 h 03 min
